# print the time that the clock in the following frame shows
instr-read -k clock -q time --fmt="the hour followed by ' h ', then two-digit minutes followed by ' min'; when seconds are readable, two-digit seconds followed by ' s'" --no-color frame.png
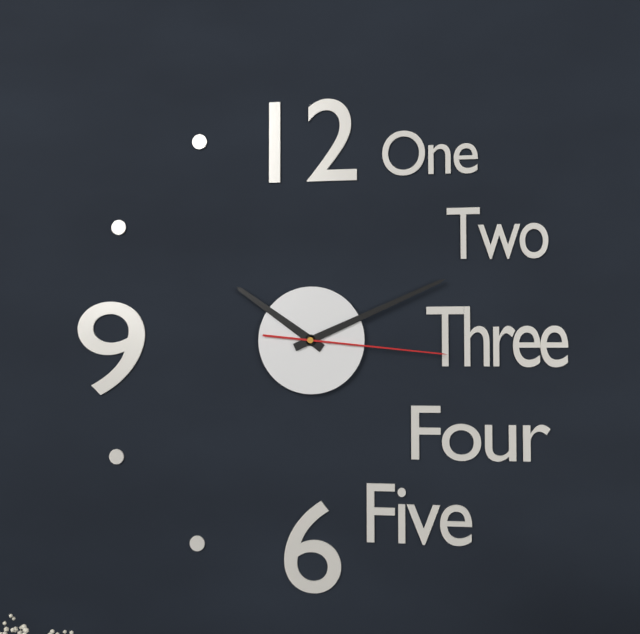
10 h 11 min 16 s
